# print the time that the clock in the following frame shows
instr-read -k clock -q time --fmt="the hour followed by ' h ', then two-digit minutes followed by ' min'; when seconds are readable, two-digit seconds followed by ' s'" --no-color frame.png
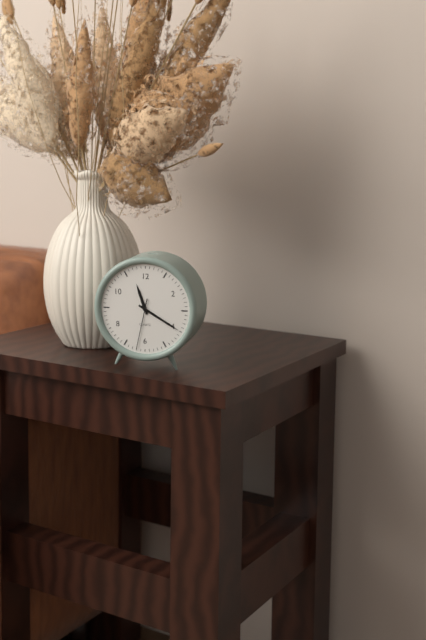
11 h 20 min 32 s
